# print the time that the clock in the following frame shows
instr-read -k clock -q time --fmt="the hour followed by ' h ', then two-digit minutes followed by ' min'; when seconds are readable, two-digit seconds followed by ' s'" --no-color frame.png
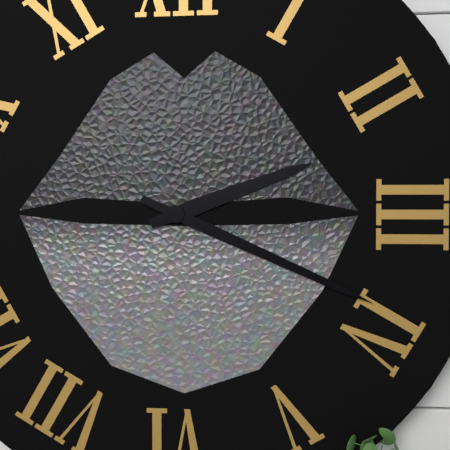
2 h 19 min
